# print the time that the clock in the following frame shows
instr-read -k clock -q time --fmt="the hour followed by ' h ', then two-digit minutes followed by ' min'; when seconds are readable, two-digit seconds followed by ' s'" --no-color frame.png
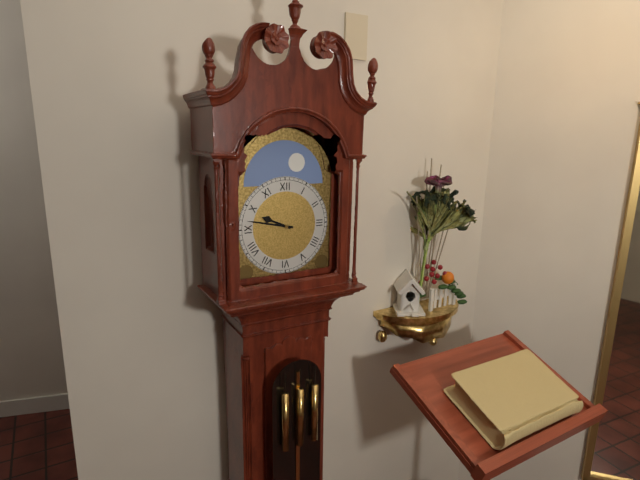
9 h 47 min
